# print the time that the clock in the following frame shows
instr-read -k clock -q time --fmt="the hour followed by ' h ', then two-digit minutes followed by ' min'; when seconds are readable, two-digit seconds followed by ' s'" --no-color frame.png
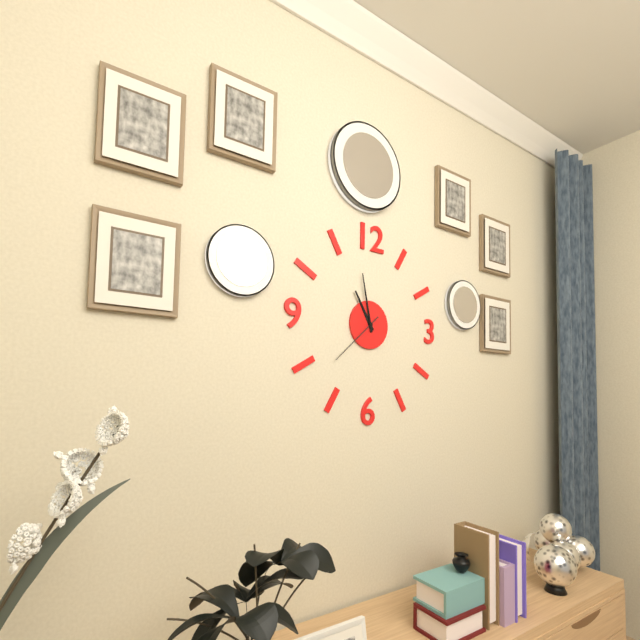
10 h 58 min 38 s
